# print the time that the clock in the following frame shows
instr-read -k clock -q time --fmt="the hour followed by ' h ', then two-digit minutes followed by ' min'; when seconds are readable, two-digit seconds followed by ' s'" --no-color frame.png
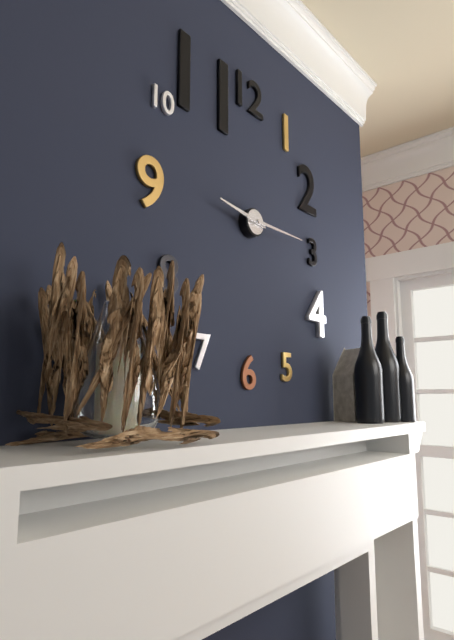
9 h 15 min
